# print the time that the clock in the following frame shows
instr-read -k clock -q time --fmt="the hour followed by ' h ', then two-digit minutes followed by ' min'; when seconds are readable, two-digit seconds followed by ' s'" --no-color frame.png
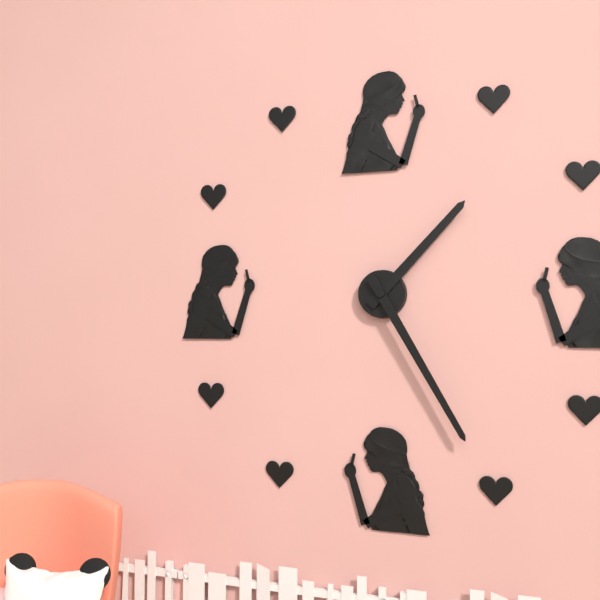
1 h 25 min
